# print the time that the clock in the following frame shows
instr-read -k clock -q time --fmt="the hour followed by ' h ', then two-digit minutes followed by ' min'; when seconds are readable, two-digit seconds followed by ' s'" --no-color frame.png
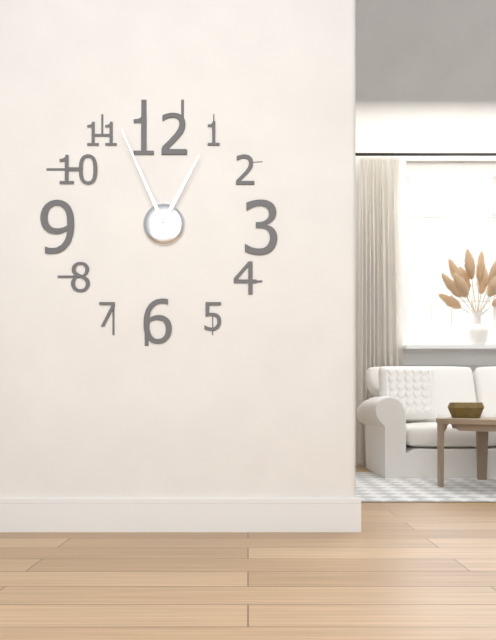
12 h 56 min
